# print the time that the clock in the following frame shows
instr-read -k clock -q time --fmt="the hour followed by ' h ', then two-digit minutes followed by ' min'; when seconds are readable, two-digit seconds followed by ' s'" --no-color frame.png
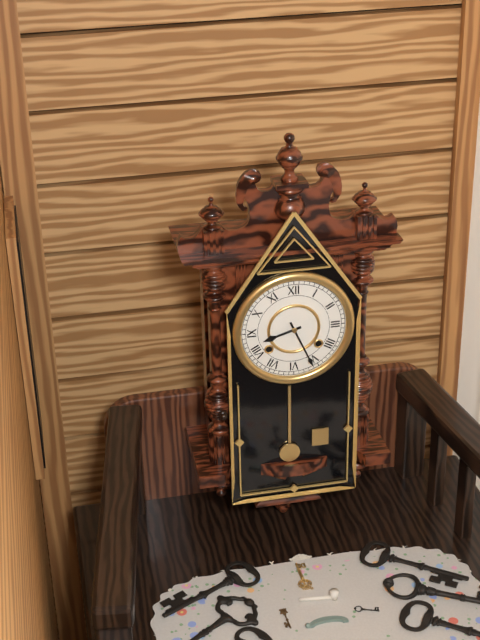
8 h 26 min
